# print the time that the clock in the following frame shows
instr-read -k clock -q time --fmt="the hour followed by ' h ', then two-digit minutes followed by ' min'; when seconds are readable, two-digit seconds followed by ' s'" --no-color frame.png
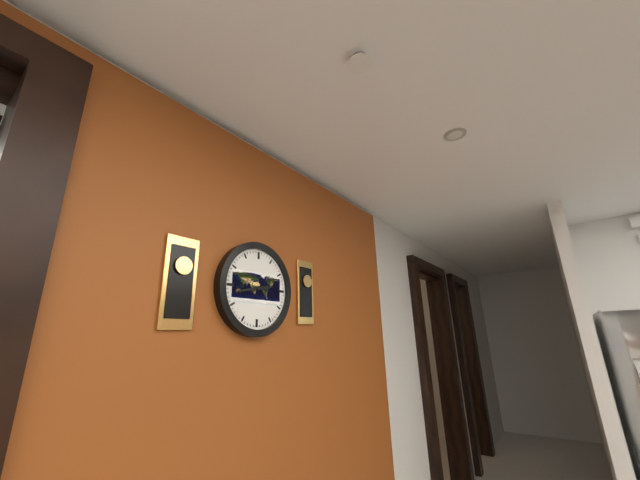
2 h 43 min
